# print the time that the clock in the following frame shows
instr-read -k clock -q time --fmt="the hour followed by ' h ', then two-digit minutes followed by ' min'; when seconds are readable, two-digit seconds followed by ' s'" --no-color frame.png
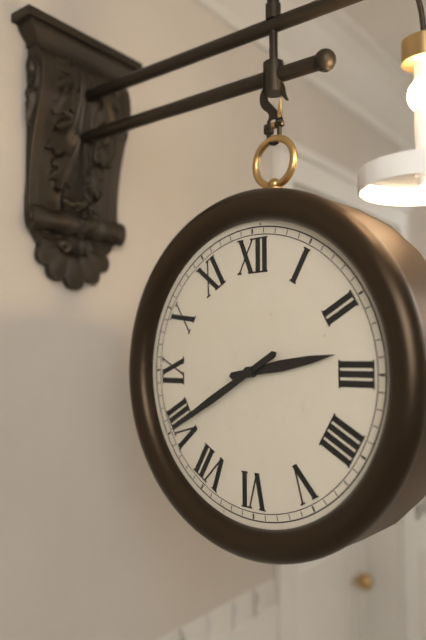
2 h 40 min
